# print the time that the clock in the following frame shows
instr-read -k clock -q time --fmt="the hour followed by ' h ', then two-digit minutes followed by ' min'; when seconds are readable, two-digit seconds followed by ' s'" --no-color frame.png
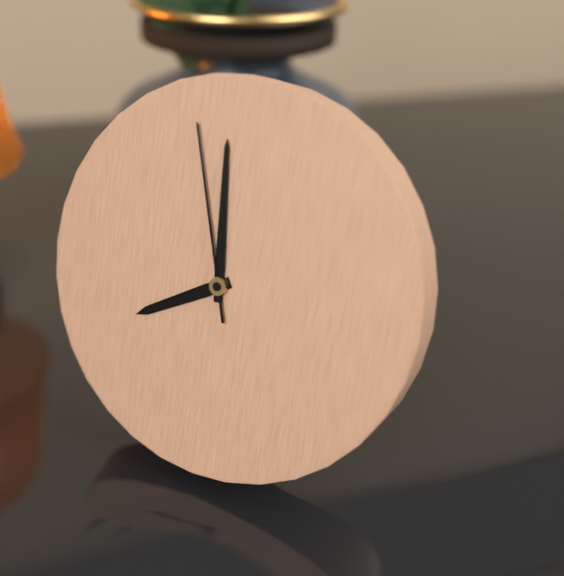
7 h 59 min 57 s
